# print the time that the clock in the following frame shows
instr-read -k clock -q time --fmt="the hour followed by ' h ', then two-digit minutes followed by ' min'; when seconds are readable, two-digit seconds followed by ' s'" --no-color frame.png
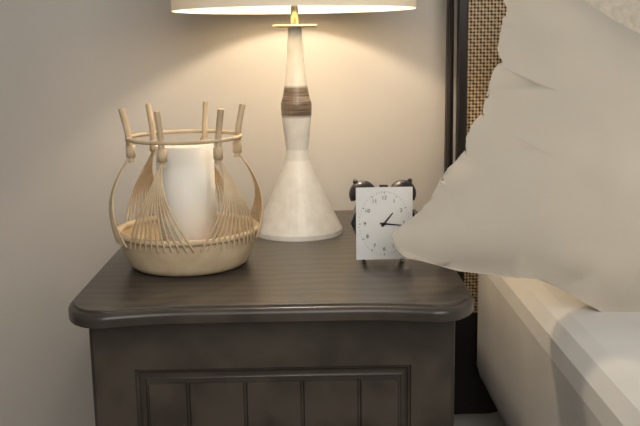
1 h 16 min
